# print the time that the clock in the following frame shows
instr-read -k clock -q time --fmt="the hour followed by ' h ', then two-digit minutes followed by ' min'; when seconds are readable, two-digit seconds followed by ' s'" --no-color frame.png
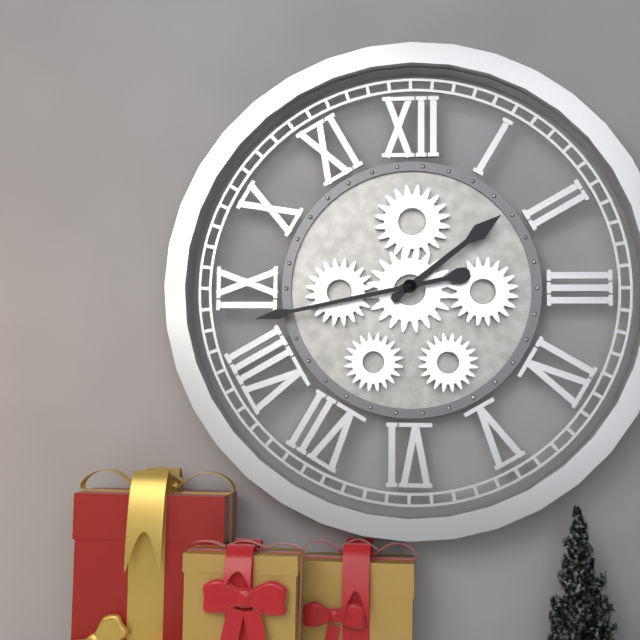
1 h 43 min
